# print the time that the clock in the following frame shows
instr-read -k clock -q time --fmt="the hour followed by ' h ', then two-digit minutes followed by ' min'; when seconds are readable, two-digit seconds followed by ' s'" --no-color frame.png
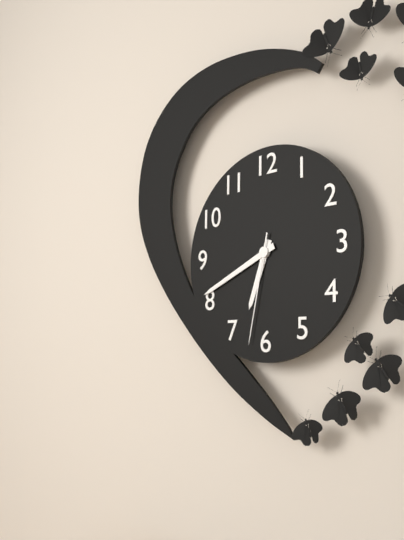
6 h 41 min 32 s
